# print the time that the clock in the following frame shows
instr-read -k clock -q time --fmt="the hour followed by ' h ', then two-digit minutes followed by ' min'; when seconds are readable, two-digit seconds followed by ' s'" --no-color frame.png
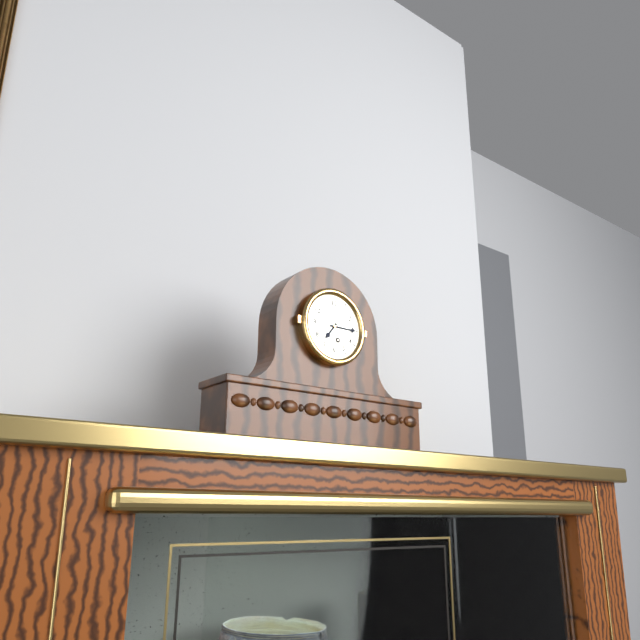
7 h 15 min
